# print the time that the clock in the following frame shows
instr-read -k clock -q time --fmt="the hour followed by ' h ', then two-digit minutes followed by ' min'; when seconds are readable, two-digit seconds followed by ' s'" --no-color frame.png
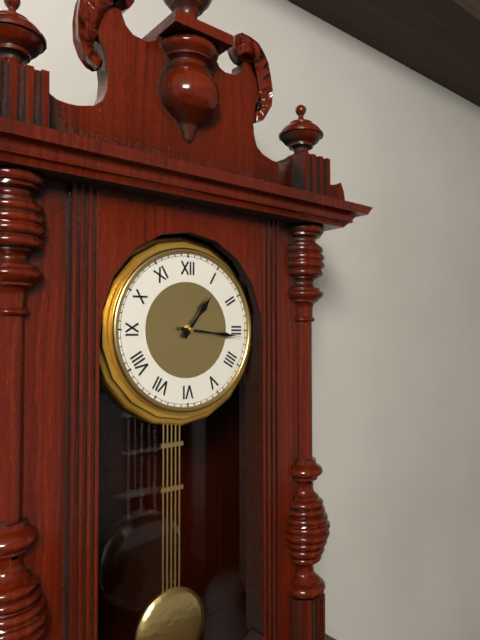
1 h 16 min
